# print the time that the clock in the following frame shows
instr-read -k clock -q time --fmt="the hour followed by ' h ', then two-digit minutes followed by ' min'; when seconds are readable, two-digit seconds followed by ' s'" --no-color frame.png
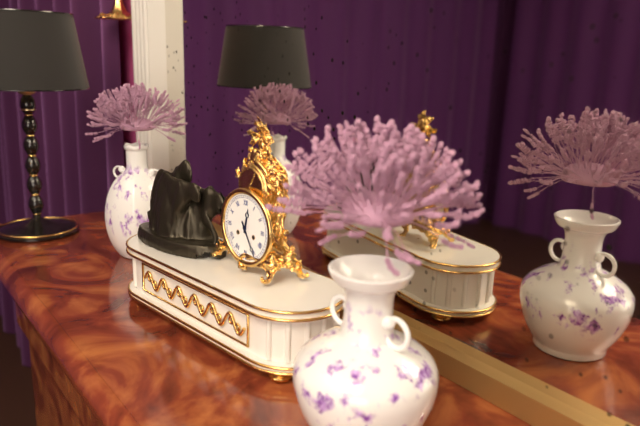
12 h 25 min
